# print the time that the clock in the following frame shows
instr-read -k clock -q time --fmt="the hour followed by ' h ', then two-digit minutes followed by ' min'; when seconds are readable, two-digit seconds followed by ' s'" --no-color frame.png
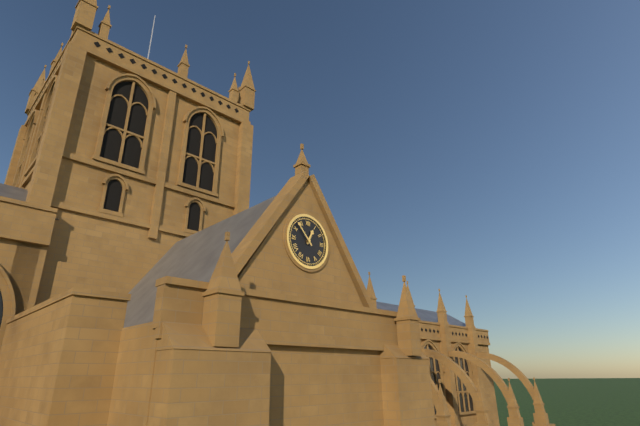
12 h 53 min
